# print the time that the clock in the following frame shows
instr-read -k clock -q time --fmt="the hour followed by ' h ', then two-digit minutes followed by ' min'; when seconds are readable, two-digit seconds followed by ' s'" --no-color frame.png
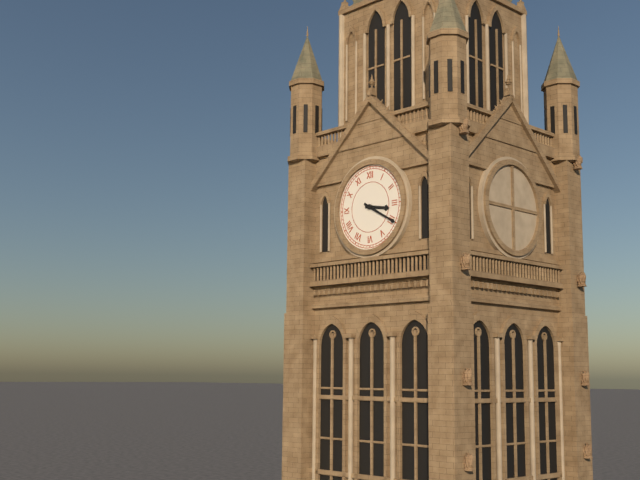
3 h 20 min
